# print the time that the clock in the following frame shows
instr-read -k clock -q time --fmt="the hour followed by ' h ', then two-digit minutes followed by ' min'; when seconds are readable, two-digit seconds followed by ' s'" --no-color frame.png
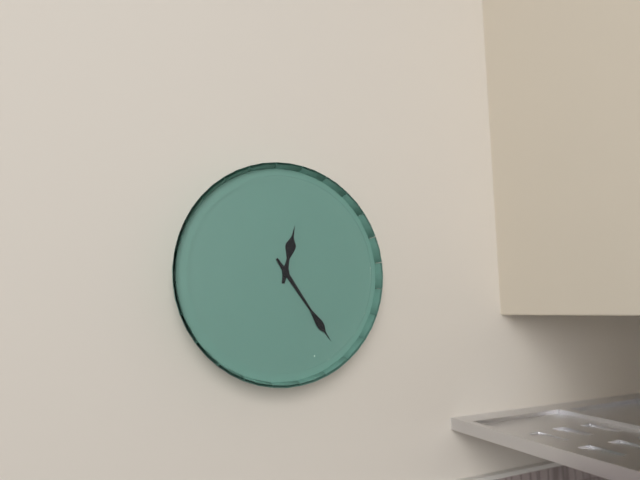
12 h 24 min
